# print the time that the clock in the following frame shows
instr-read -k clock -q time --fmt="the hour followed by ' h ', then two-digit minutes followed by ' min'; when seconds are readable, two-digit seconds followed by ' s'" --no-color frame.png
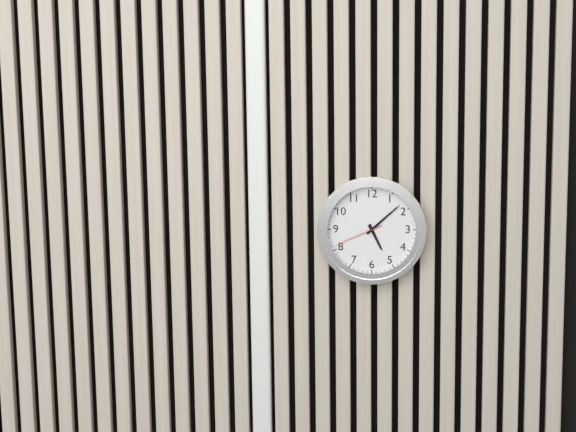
5 h 08 min 41 s
